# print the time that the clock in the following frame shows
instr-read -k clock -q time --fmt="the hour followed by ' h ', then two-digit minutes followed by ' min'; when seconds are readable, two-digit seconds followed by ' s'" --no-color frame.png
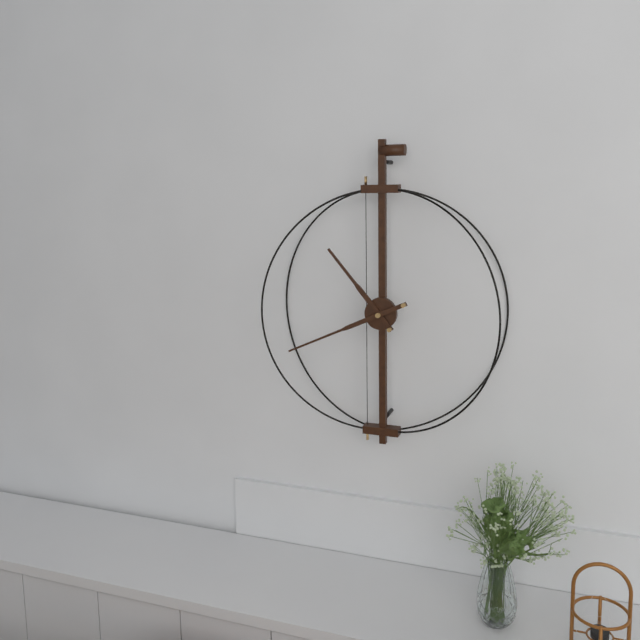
10 h 41 min
